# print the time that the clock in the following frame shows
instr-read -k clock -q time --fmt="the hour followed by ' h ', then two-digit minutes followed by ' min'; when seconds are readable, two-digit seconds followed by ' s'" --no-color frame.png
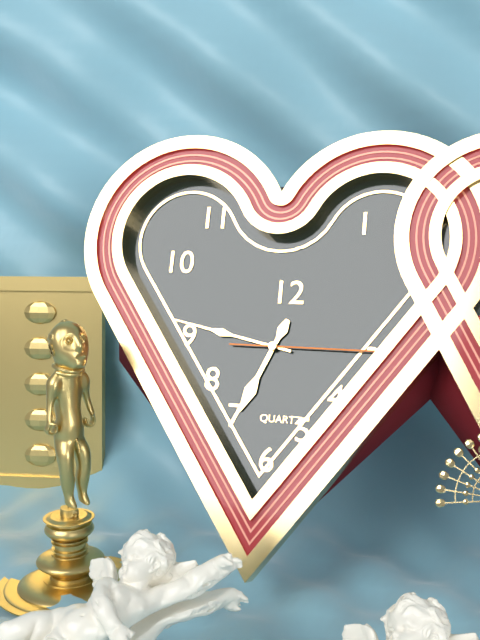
6 h 47 min 15 s
